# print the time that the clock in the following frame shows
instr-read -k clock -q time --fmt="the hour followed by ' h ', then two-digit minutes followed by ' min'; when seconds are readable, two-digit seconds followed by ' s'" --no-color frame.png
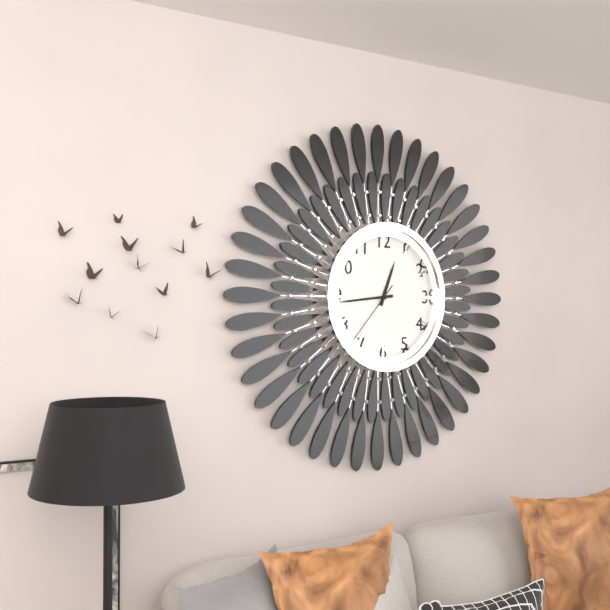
12 h 44 min 37 s
